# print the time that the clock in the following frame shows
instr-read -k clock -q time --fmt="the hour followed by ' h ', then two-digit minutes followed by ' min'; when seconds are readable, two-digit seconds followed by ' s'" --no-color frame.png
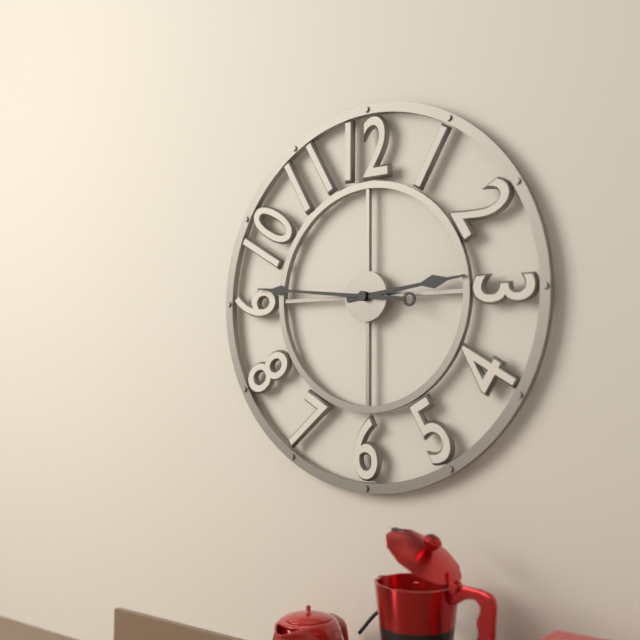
2 h 46 min
